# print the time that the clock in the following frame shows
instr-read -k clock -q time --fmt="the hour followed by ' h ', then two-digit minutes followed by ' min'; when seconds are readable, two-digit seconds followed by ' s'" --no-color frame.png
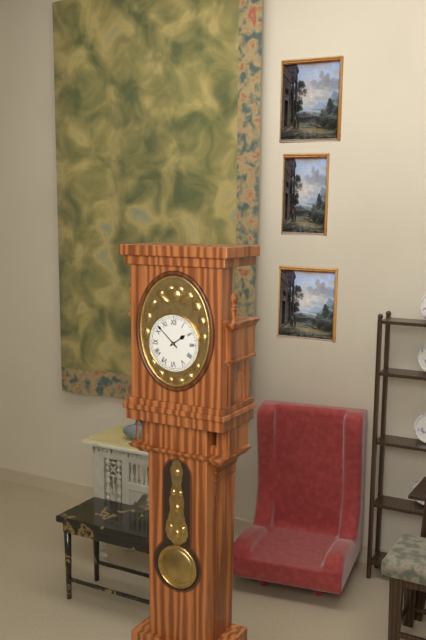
1 h 52 min
